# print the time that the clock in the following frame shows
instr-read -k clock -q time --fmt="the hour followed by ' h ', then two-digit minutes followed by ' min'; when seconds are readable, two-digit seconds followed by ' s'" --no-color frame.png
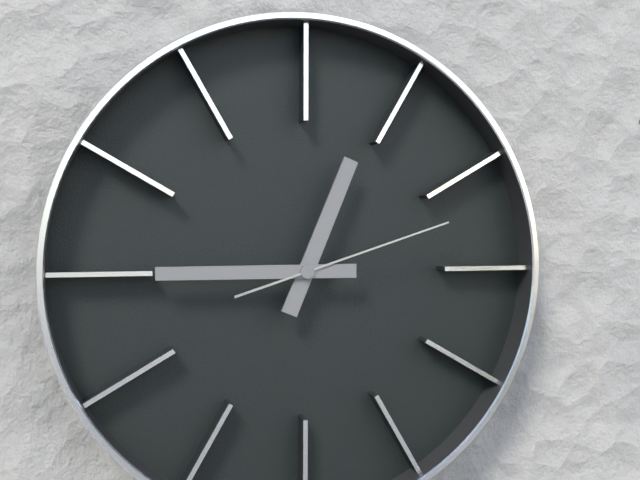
12 h 45 min 12 s
